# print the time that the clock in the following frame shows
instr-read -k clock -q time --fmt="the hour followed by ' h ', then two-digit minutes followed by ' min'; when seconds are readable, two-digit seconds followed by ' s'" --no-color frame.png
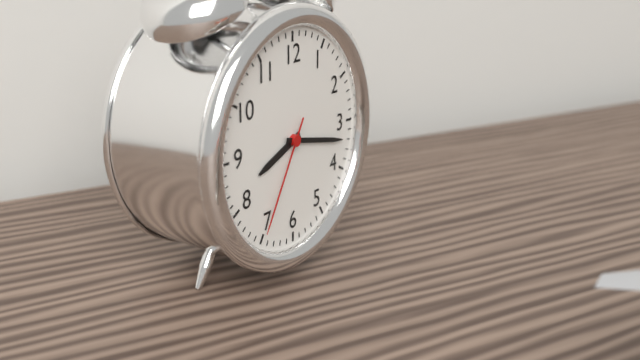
8 h 17 min 35 s
